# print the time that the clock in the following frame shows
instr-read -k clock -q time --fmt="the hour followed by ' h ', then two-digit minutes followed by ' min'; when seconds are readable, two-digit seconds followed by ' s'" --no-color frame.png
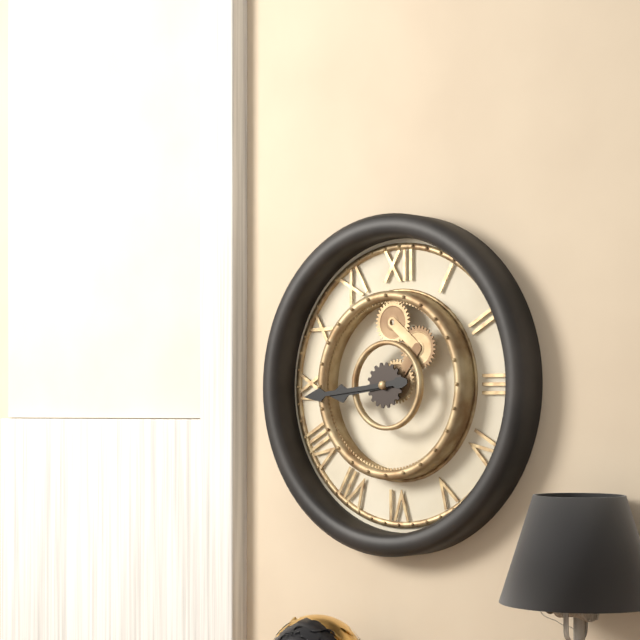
8 h 44 min
